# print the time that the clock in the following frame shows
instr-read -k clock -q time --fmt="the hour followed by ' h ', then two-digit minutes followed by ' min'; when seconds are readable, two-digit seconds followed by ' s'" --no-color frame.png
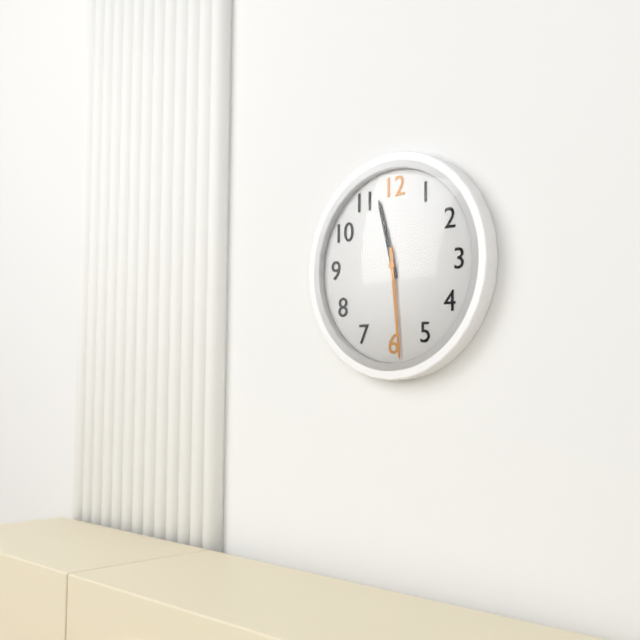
11 h 29 min
